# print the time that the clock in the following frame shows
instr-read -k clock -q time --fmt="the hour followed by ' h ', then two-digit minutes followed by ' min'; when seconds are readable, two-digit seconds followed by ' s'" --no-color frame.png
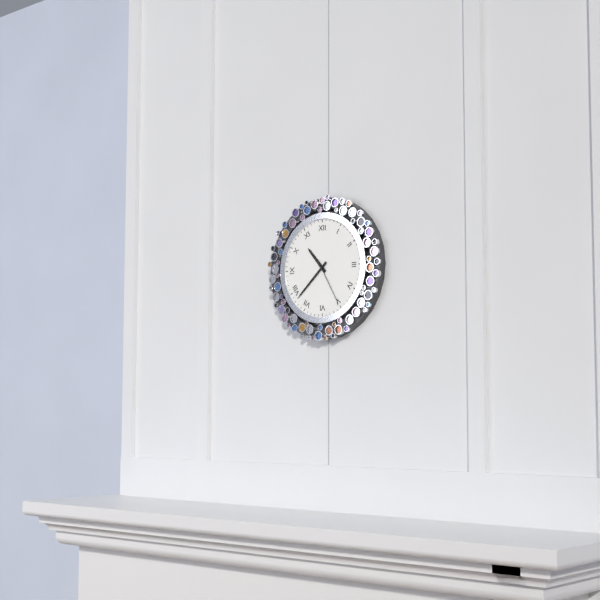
10 h 38 min 25 s
